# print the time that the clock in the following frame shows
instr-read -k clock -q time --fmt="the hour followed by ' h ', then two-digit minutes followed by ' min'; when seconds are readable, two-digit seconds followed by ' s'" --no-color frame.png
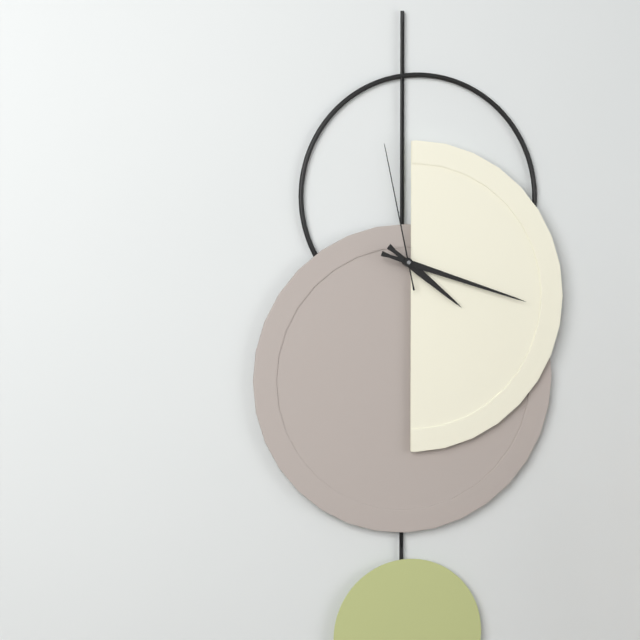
4 h 18 min 58 s
